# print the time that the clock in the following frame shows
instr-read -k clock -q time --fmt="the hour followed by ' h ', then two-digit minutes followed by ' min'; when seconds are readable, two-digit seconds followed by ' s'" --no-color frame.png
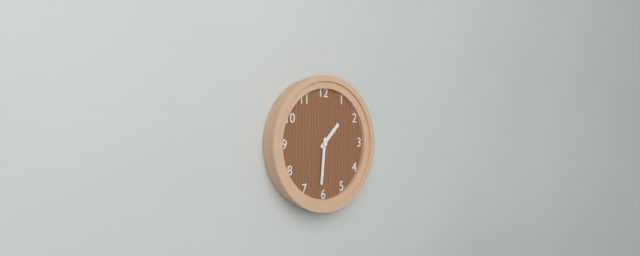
1 h 31 min
